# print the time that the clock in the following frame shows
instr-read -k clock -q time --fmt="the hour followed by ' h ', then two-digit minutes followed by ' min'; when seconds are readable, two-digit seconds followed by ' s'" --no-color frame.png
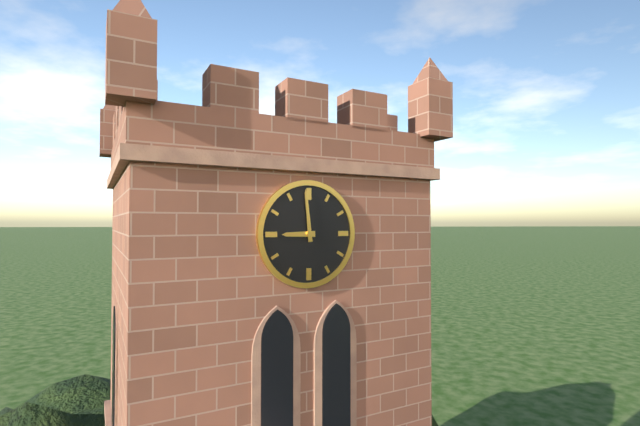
8 h 59 min
